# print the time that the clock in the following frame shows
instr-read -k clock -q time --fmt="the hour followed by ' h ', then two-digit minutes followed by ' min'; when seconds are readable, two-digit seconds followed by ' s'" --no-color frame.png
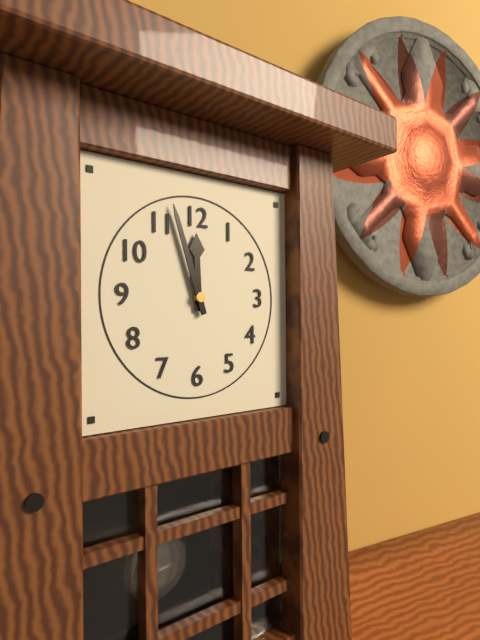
11 h 57 min
